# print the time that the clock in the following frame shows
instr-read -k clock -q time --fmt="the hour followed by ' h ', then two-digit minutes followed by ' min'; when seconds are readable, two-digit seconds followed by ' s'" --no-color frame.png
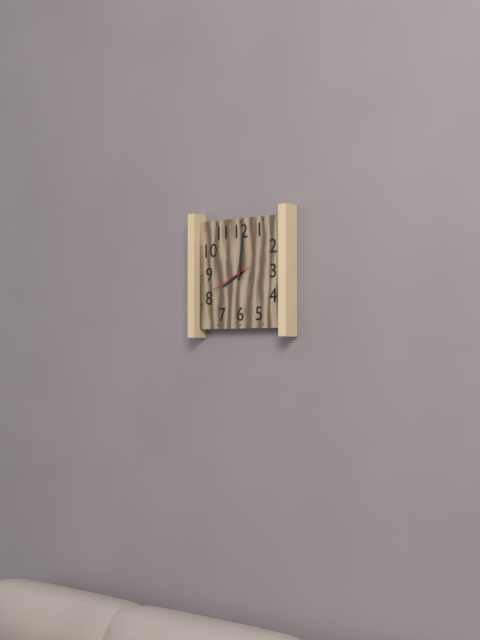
8 h 01 min
